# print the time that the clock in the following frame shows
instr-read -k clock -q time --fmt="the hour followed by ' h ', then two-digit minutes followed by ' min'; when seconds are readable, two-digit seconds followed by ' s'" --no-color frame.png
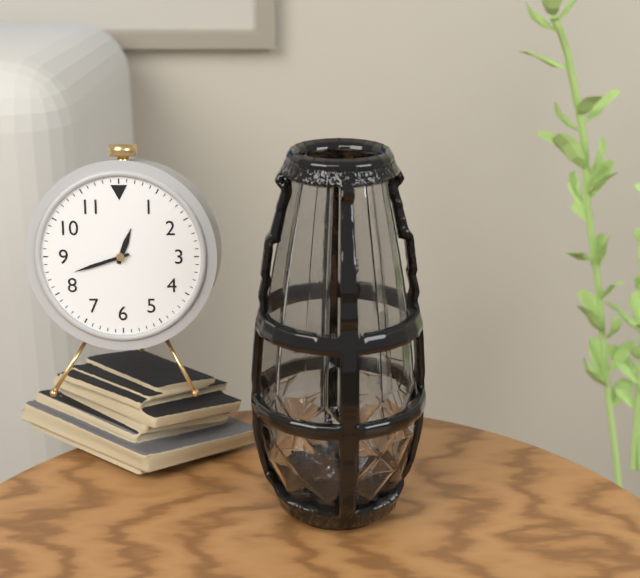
12 h 42 min
